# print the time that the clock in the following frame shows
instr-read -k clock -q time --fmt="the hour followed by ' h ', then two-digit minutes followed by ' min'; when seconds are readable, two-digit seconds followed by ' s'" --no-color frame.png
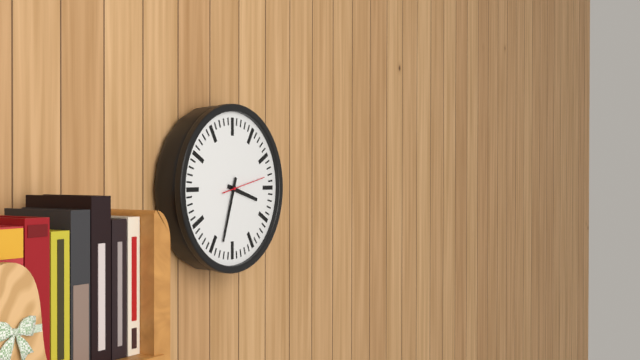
3 h 33 min
